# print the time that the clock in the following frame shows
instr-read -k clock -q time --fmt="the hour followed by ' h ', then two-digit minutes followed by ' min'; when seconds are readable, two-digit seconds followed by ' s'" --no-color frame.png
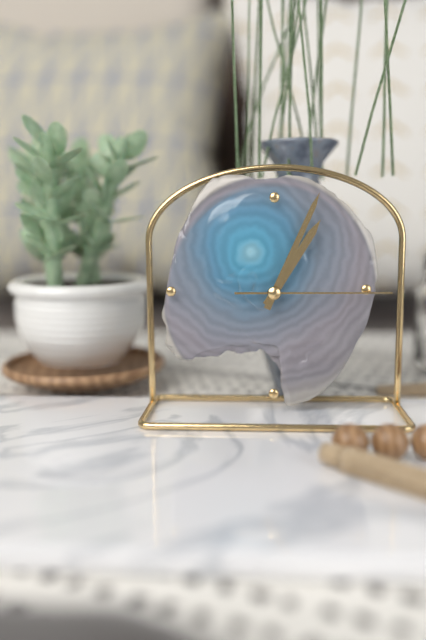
1 h 04 min 15 s
